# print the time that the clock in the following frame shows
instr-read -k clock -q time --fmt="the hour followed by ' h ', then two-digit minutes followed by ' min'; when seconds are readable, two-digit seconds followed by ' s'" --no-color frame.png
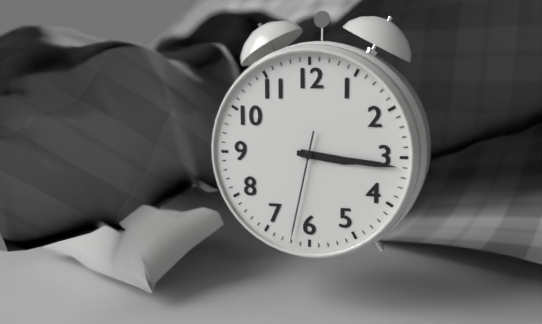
3 h 16 min 32 s
